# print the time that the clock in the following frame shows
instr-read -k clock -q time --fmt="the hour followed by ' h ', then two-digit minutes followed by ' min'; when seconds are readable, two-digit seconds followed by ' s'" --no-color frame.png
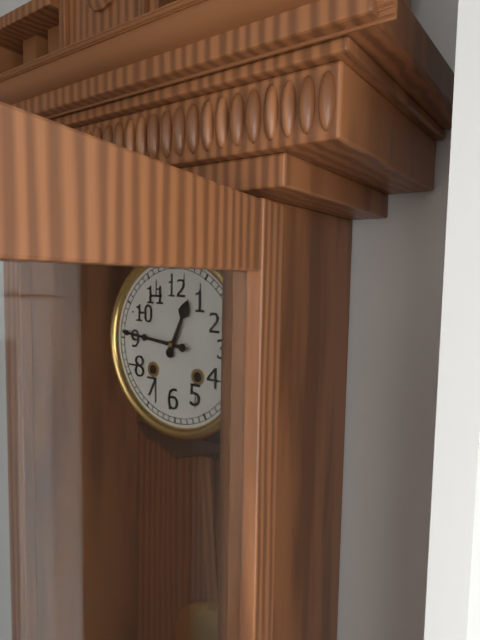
12 h 46 min
